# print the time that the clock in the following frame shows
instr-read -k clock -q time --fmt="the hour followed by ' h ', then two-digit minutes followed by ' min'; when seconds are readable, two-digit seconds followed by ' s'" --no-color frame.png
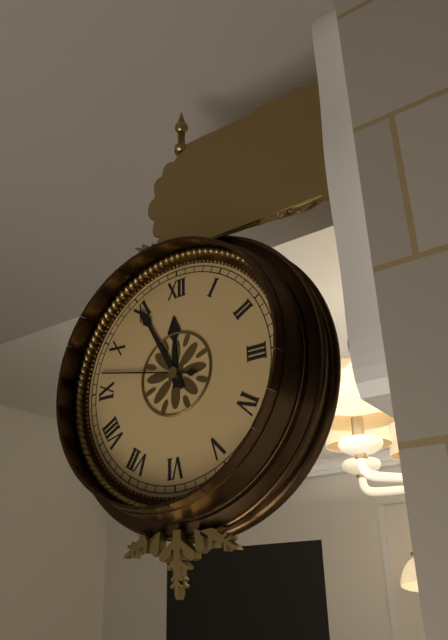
11 h 55 min 47 s
